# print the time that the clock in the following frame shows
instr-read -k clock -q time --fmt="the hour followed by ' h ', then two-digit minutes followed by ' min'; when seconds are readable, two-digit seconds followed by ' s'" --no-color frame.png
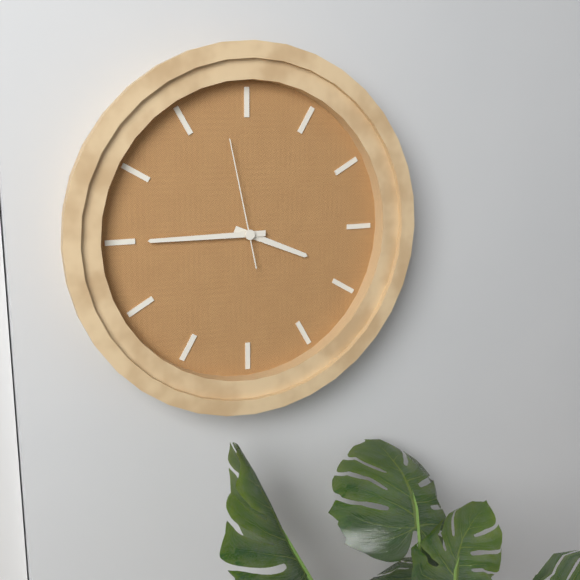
3 h 45 min 58 s
